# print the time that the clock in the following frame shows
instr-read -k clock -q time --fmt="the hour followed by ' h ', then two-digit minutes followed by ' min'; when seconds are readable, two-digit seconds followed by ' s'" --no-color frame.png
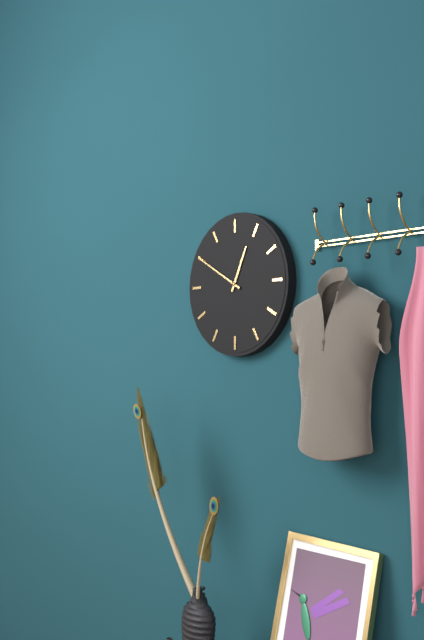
12 h 50 min
